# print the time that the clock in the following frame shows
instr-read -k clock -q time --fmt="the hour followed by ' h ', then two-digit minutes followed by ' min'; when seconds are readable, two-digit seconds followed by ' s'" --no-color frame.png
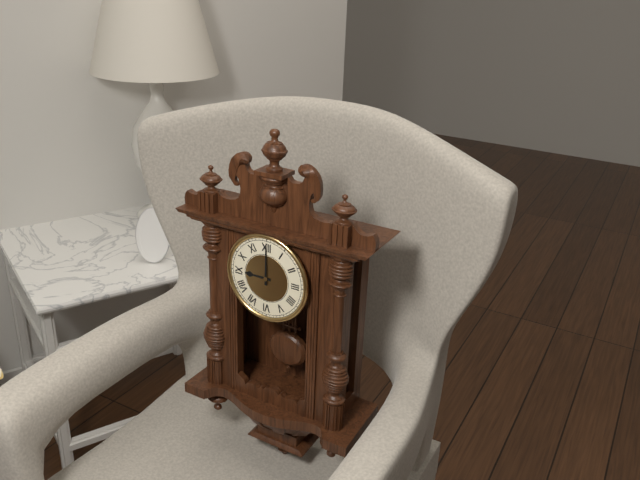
9 h 00 min
